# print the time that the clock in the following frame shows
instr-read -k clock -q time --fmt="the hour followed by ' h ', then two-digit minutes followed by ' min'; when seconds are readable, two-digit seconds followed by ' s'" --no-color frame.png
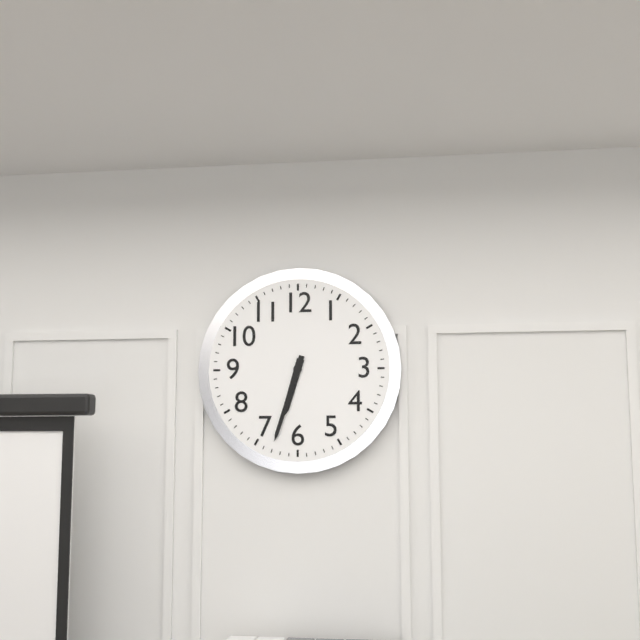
6 h 33 min
